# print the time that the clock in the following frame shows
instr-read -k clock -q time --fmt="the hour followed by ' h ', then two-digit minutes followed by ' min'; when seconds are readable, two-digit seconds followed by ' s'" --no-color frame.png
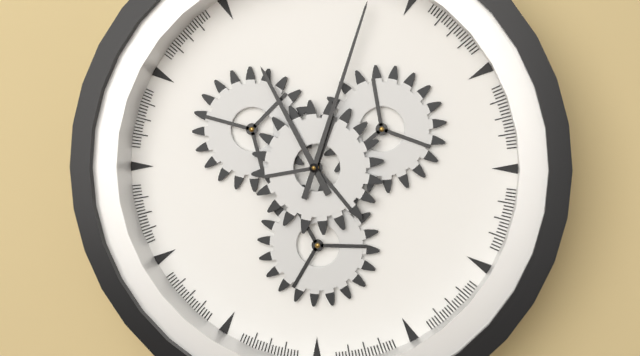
11 h 03 min
